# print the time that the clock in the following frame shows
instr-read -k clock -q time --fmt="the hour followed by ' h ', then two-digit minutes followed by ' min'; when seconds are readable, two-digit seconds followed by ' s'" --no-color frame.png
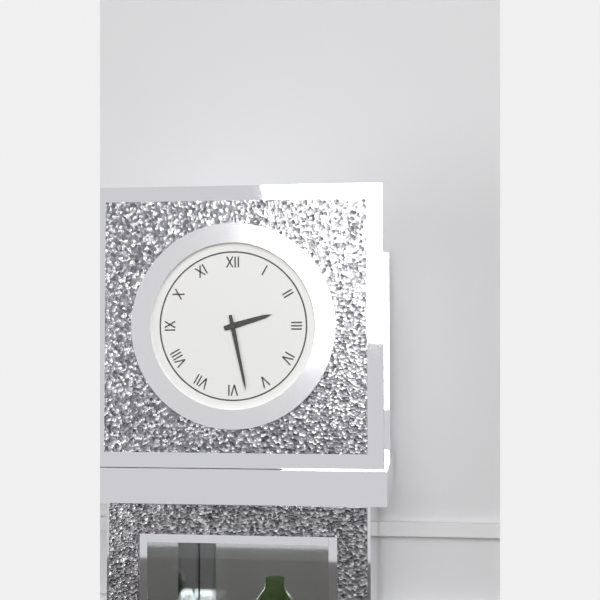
2 h 28 min
